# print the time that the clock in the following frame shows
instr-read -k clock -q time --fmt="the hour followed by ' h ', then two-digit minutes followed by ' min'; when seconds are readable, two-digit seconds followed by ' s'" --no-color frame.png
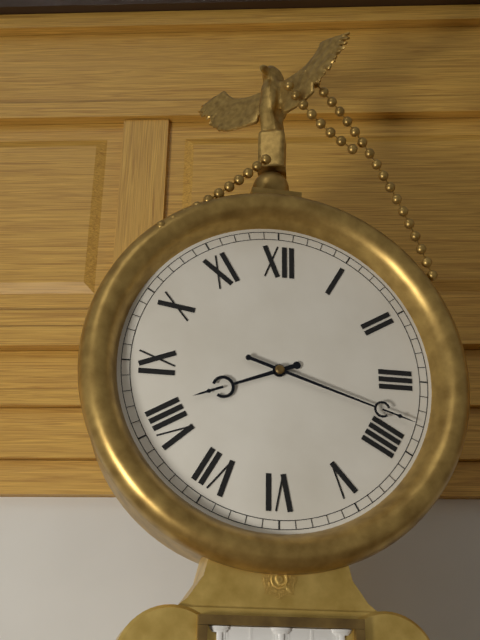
8 h 18 min
